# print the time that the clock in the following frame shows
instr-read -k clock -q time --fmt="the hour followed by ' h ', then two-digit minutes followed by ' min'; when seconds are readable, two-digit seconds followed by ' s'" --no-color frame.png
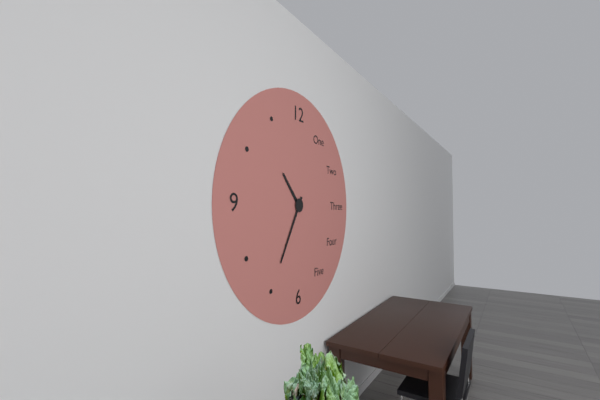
10 h 35 min
